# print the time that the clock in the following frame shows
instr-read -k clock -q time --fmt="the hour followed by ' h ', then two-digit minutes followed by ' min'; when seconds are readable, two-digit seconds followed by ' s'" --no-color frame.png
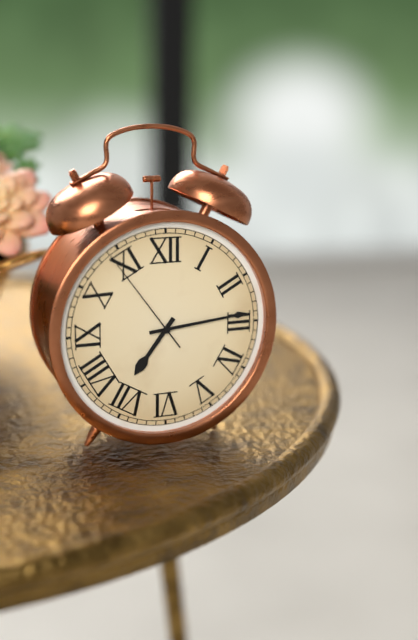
7 h 14 min 54 s
